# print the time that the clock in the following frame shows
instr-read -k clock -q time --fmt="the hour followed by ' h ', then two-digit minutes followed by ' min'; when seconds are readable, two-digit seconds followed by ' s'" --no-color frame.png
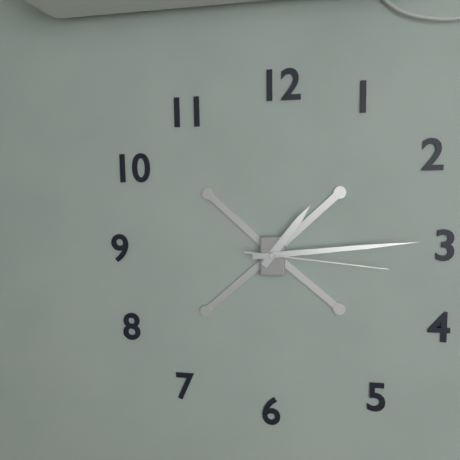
1 h 14 min 16 s
